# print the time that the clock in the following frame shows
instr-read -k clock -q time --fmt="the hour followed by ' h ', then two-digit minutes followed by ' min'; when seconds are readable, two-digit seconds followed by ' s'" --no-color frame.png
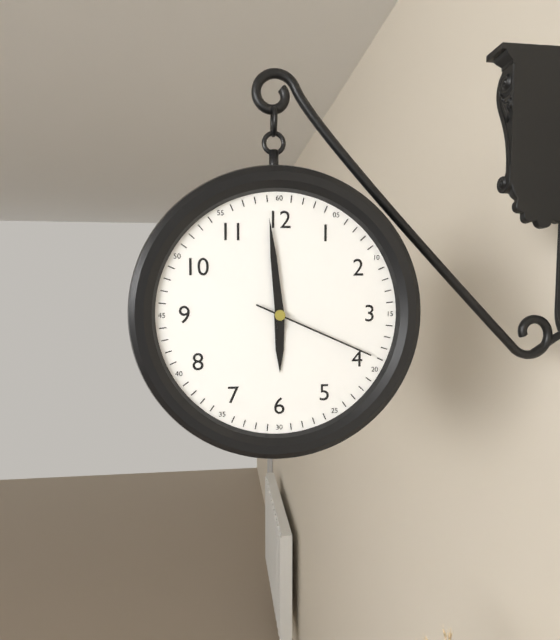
5 h 59 min 19 s
